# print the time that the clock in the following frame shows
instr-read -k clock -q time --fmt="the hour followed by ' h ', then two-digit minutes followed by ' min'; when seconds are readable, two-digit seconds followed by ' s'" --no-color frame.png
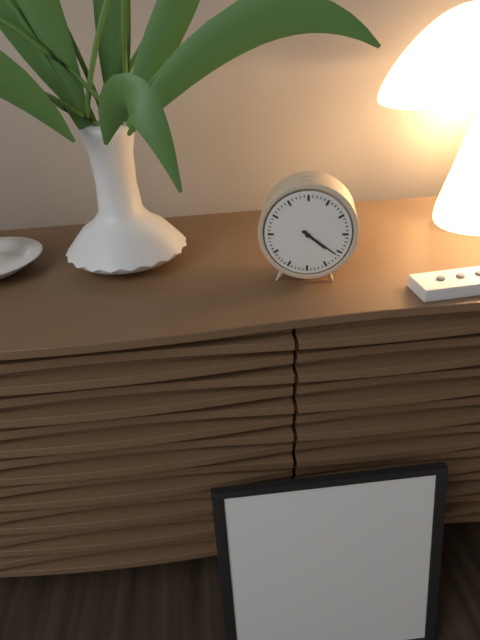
4 h 21 min
